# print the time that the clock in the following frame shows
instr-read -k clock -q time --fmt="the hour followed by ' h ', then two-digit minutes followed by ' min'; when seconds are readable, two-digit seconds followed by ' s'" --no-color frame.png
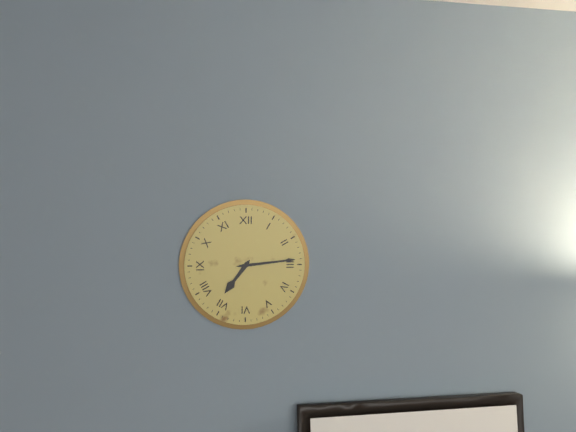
7 h 14 min
